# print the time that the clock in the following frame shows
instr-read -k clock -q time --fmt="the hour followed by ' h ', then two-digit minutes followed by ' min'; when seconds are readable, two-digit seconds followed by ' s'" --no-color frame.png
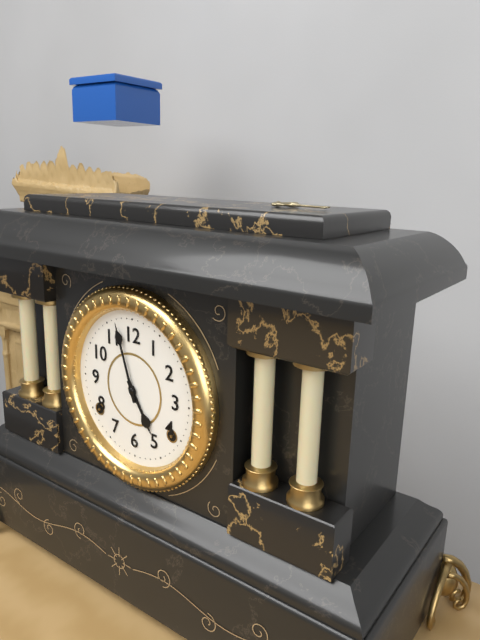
4 h 57 min
